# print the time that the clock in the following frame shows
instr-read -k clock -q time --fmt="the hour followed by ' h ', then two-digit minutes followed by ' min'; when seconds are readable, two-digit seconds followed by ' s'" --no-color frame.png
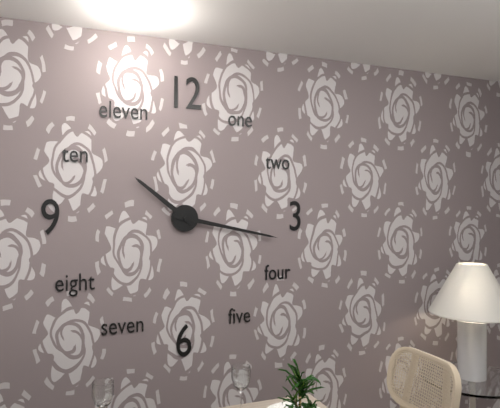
10 h 17 min
